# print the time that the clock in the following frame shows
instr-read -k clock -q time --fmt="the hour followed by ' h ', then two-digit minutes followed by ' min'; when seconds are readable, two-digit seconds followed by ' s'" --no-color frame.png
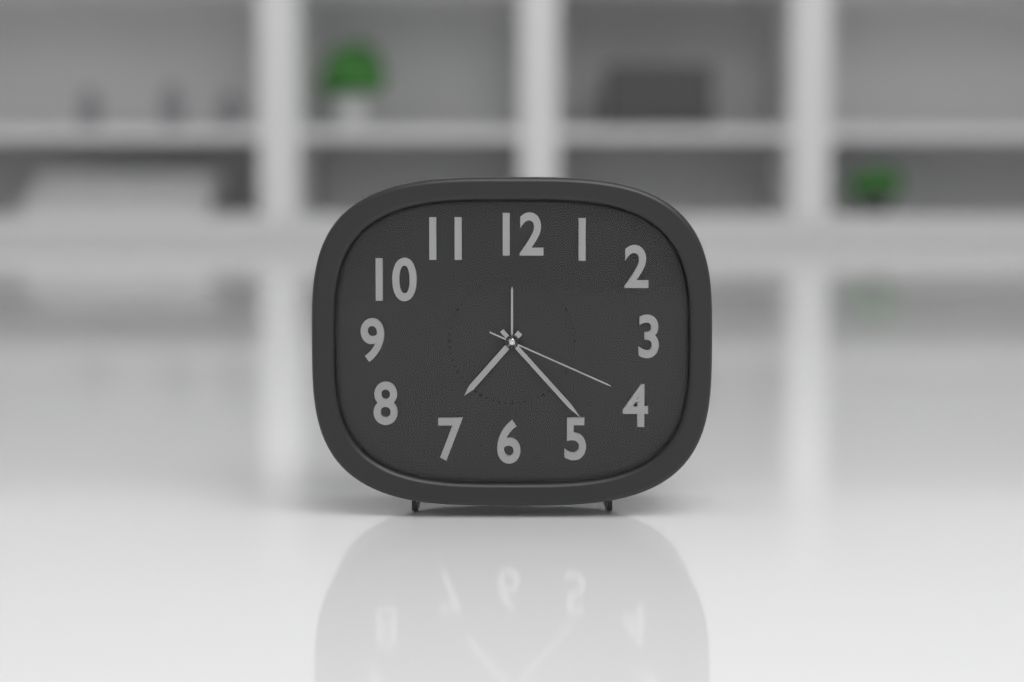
7 h 23 min 19 s
